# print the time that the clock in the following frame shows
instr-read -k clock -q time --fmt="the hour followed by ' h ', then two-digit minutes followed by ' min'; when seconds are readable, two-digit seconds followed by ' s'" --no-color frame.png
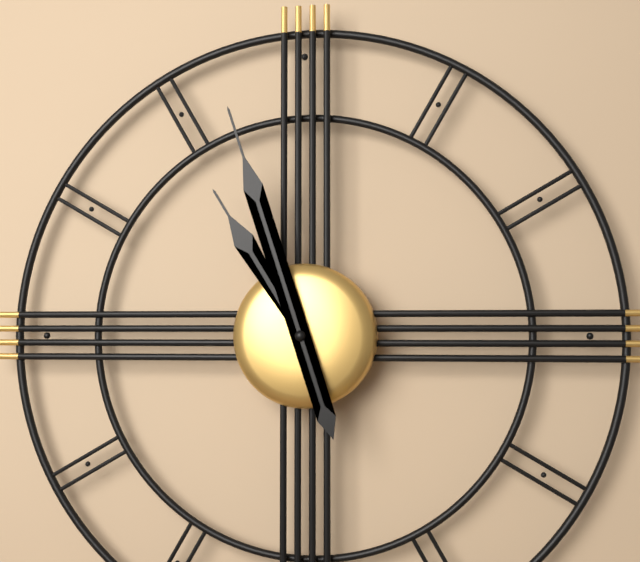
10 h 57 min
